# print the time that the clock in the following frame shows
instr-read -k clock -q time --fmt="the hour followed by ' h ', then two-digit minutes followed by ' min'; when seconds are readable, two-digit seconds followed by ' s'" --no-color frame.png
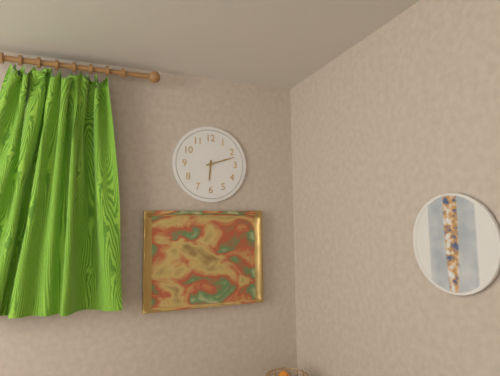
6 h 12 min
